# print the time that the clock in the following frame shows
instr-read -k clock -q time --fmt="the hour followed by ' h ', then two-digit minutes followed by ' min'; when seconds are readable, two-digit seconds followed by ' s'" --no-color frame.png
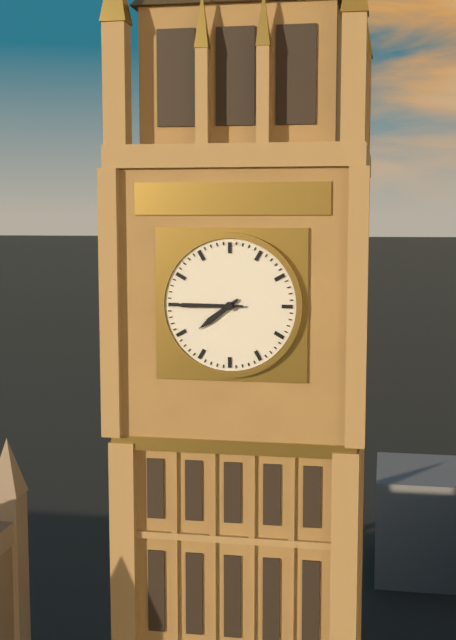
7 h 45 min
